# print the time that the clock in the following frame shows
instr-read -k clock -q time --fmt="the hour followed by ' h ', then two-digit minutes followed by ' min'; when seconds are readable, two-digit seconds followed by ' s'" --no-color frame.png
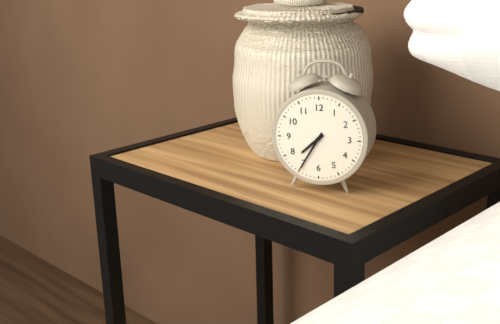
7 h 35 min
